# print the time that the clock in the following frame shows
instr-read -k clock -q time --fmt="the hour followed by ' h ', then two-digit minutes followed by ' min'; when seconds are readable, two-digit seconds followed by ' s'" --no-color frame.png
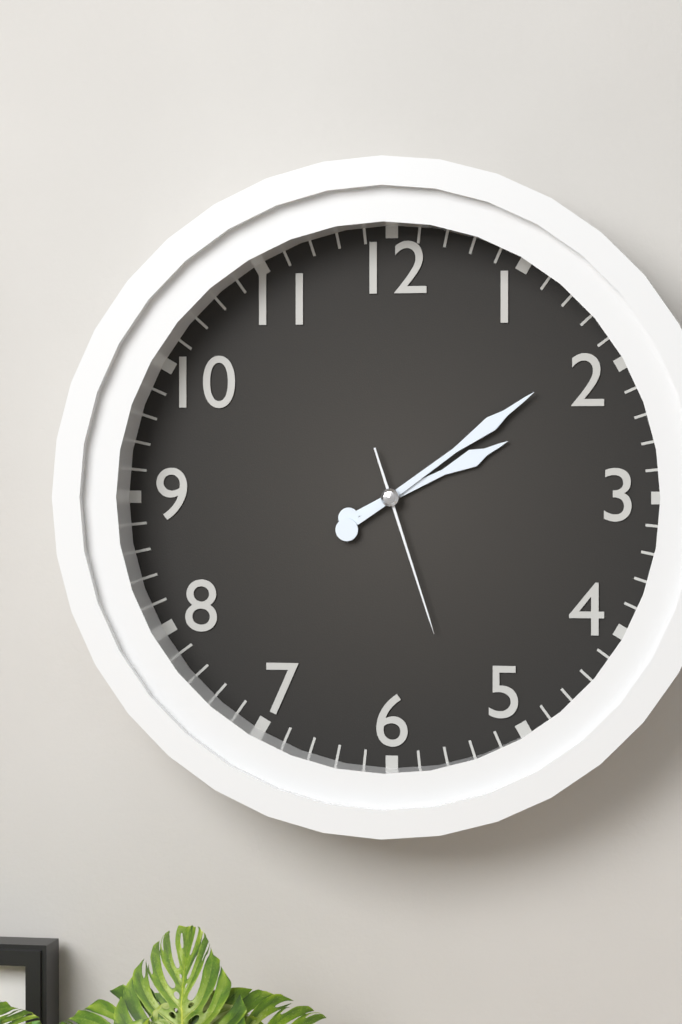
2 h 09 min 27 s
